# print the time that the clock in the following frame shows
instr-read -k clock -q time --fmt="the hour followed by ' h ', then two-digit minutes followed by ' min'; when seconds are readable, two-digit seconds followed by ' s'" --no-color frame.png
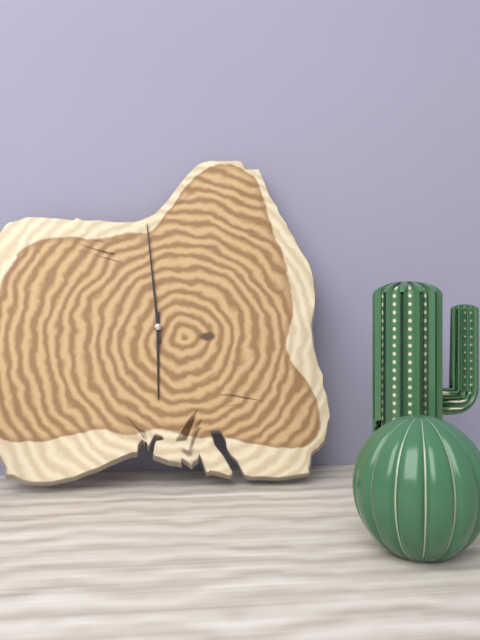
5 h 59 min
